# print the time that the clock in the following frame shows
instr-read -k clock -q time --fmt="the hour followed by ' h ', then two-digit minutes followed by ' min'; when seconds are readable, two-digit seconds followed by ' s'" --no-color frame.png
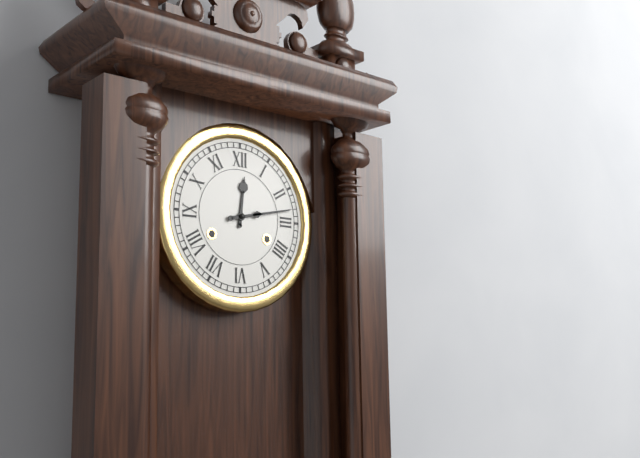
12 h 13 min
